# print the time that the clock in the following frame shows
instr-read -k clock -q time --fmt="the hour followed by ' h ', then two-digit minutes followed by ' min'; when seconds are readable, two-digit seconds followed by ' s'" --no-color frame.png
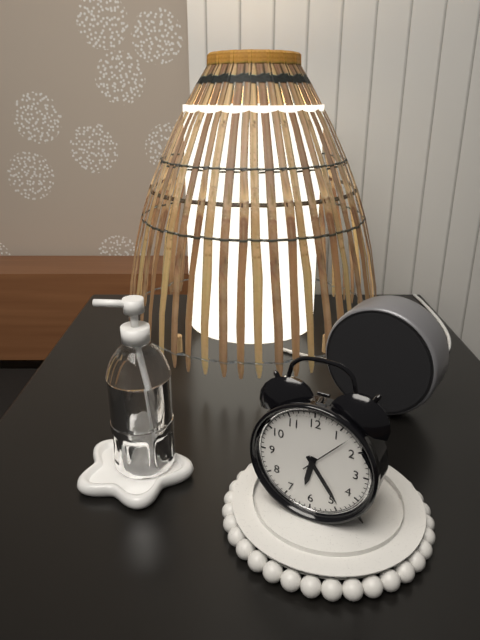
6 h 24 min 07 s
